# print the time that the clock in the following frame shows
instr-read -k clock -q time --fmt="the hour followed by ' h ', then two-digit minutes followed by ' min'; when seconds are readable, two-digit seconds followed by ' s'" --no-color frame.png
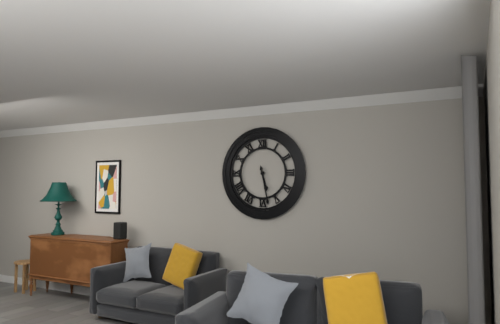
5 h 28 min
